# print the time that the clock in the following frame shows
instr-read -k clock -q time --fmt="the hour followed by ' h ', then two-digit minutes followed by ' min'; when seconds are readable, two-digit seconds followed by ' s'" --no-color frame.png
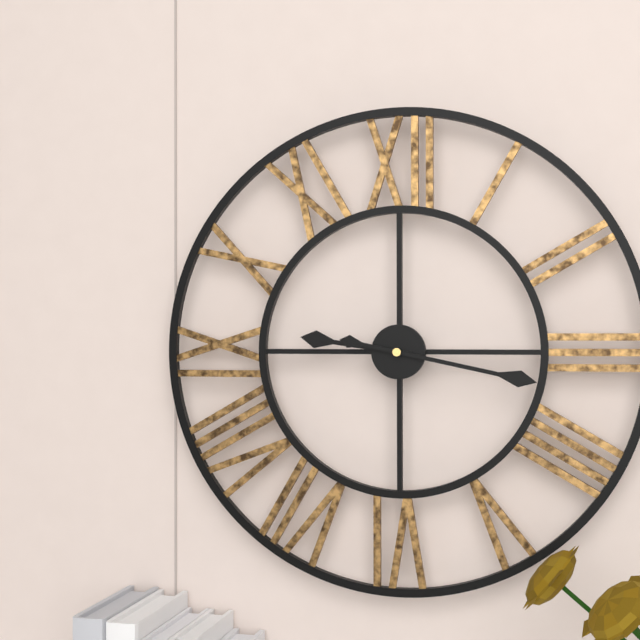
9 h 17 min
